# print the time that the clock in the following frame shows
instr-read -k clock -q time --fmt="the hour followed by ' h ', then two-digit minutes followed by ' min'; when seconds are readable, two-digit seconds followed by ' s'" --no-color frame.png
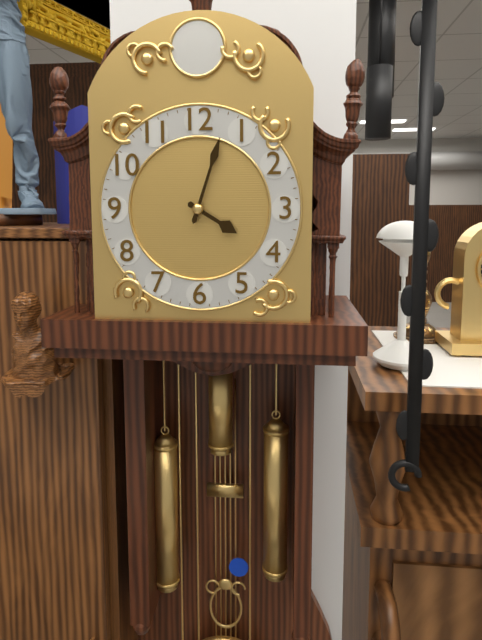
4 h 03 min
